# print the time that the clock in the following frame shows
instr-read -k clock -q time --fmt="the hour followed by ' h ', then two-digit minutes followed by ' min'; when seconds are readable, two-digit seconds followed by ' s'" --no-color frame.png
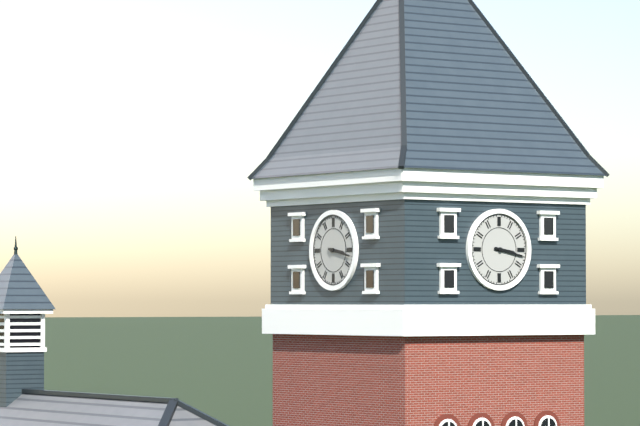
3 h 17 min
